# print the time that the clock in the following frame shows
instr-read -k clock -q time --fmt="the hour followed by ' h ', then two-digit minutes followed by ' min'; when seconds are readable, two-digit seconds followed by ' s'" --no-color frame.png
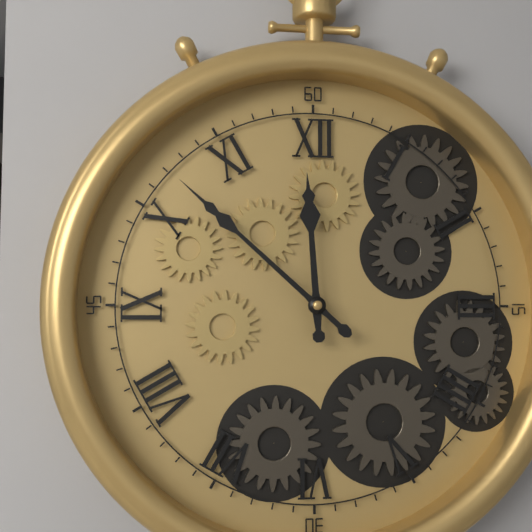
11 h 52 min
